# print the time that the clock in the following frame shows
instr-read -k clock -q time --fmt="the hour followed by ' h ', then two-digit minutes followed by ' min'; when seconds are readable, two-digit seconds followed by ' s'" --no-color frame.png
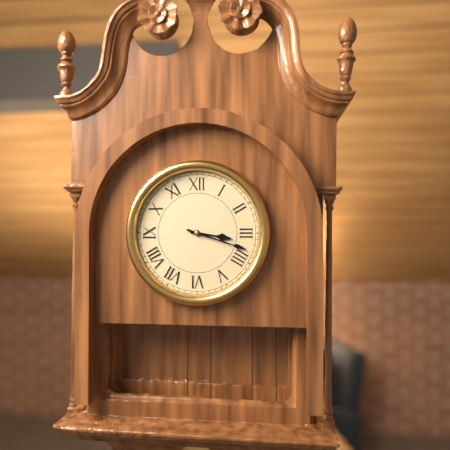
3 h 18 min
